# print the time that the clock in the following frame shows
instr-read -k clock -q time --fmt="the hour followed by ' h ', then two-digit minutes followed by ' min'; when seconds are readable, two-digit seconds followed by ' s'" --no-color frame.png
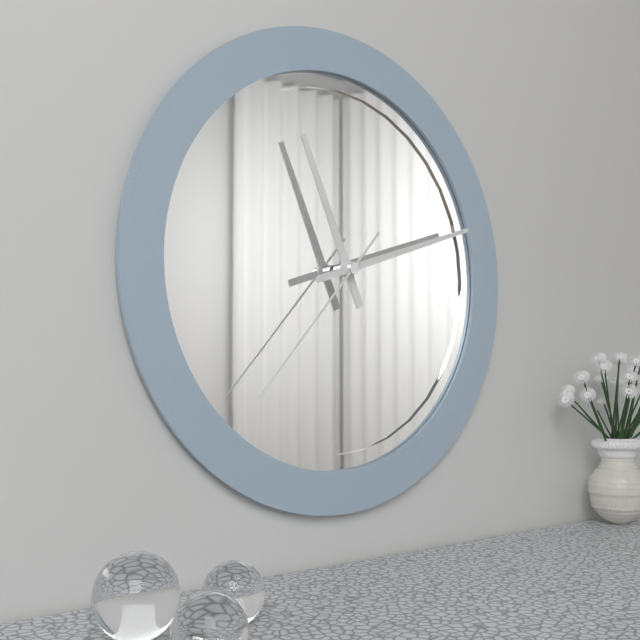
11 h 12 min 37 s
